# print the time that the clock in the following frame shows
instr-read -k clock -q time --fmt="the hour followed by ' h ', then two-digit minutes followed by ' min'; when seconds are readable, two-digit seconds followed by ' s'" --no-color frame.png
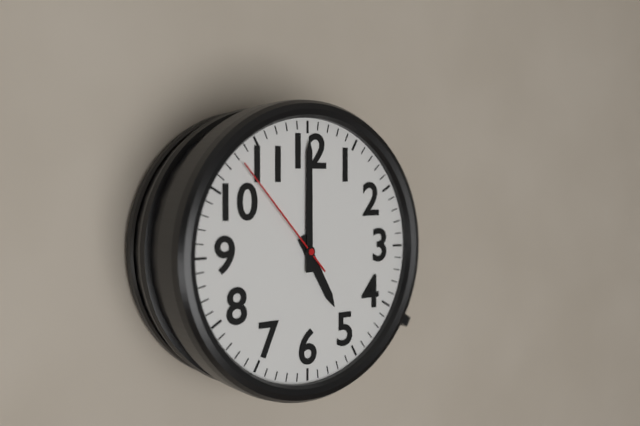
5 h 00 min 53 s
